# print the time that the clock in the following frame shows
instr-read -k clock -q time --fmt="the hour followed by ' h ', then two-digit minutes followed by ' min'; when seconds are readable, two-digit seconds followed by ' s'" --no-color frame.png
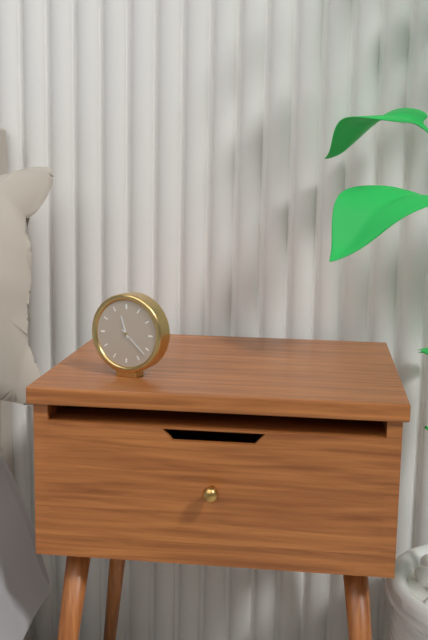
11 h 22 min
